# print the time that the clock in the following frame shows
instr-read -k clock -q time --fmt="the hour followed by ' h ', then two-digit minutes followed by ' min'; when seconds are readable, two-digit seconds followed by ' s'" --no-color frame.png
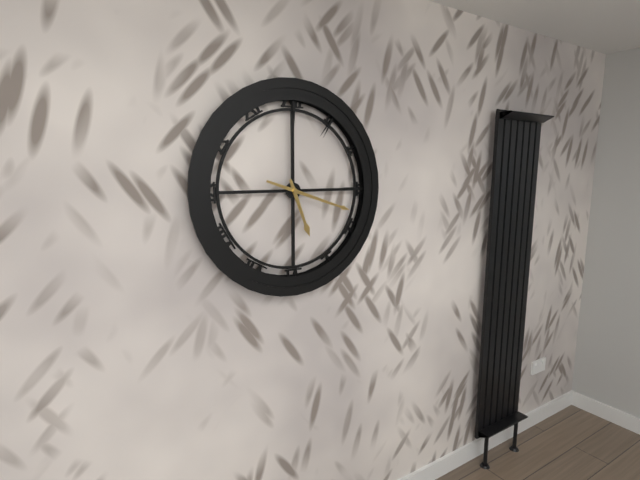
5 h 18 min
